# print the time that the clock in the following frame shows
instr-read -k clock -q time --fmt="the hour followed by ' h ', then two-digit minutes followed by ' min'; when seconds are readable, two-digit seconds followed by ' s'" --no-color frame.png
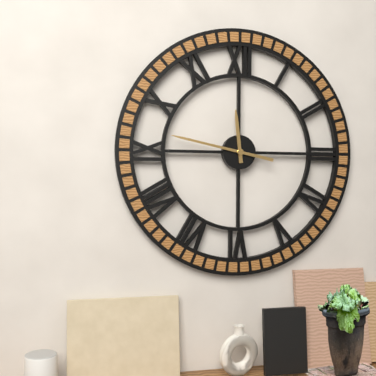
11 h 47 min
